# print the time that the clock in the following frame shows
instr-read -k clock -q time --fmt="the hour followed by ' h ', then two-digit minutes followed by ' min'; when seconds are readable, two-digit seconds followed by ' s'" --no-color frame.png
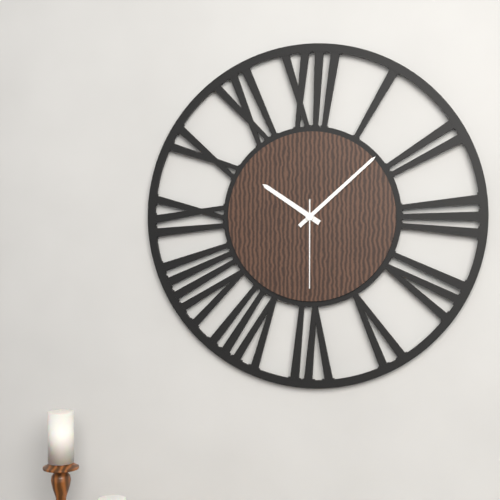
10 h 08 min 30 s
